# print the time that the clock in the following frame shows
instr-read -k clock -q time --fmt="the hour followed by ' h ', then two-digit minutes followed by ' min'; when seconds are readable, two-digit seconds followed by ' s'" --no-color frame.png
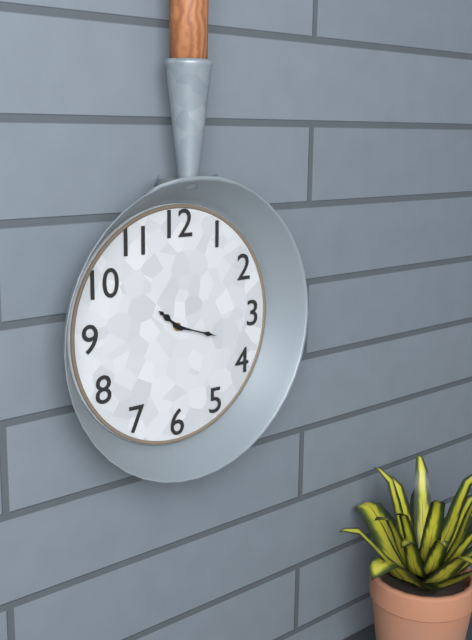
10 h 18 min
